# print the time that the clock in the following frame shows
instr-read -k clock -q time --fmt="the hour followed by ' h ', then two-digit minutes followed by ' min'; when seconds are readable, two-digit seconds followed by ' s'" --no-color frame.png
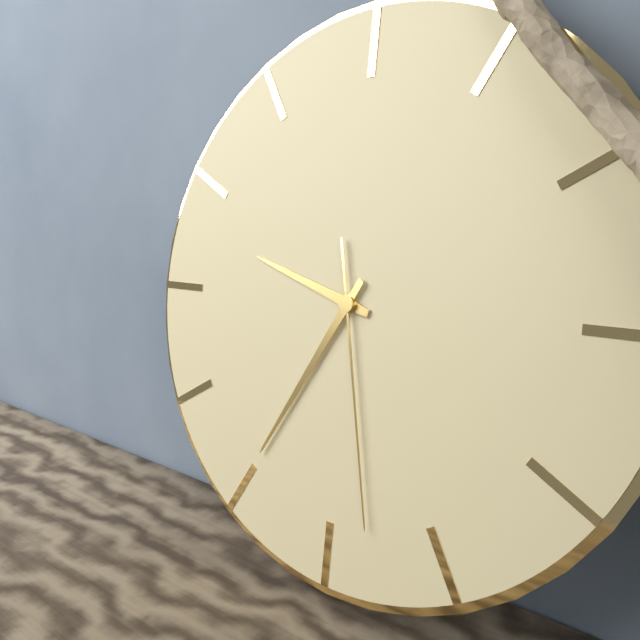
9 h 35 min 28 s
